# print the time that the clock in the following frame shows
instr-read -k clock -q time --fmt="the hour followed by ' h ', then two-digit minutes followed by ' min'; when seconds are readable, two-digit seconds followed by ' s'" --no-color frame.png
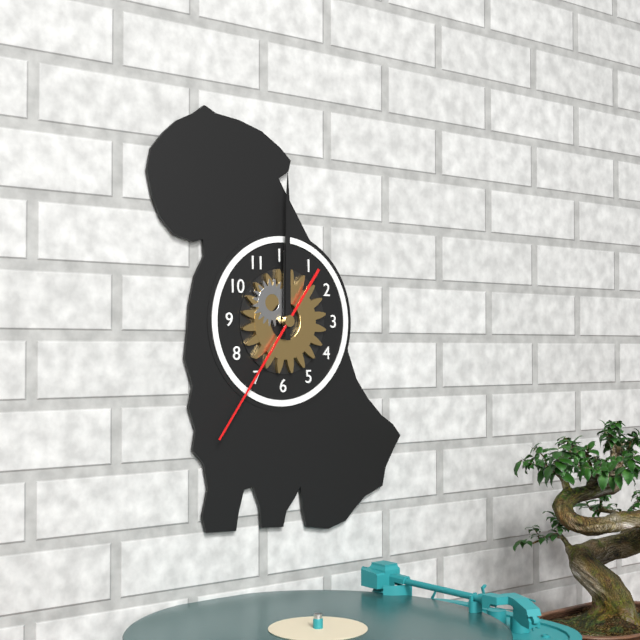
12 h 00 min 36 s
